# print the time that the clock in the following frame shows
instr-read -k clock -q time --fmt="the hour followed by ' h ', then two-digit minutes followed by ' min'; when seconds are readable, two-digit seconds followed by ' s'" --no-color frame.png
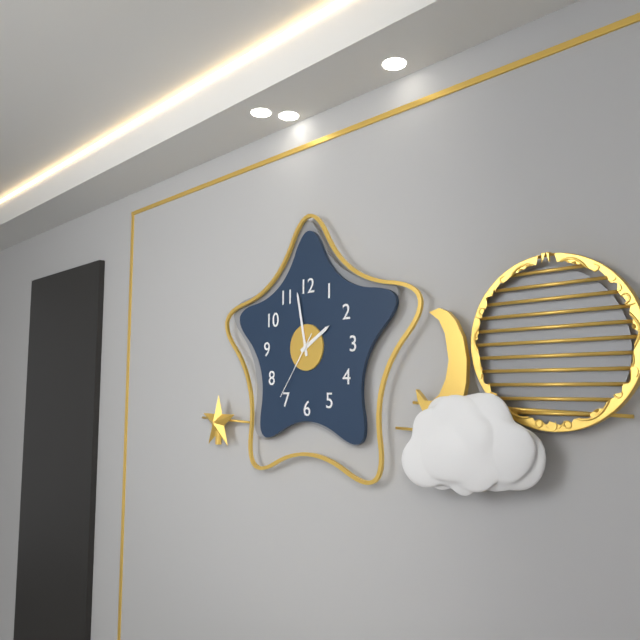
1 h 58 min 36 s
